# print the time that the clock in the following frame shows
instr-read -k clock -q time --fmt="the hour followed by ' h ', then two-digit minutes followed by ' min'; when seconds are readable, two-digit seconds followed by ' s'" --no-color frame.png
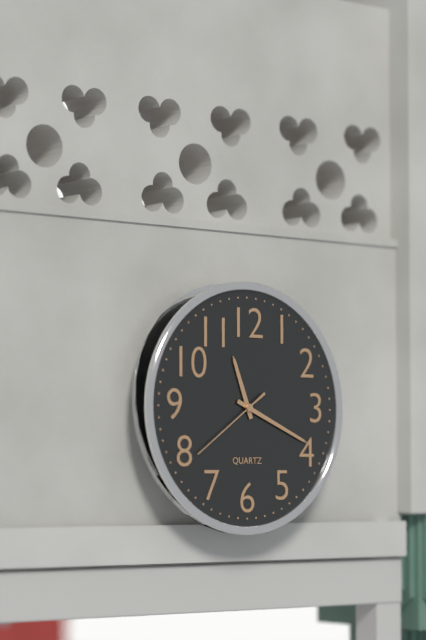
11 h 19 min 39 s
